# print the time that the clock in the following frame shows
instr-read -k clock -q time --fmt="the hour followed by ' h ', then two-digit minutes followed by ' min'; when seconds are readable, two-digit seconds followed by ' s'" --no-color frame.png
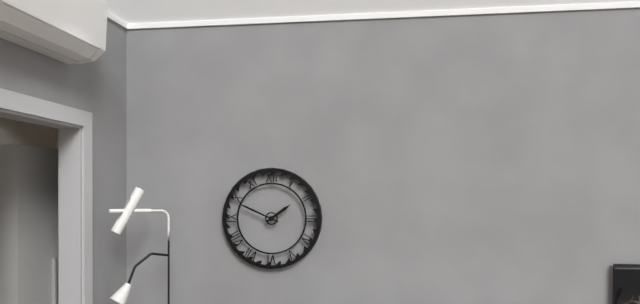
1 h 49 min
